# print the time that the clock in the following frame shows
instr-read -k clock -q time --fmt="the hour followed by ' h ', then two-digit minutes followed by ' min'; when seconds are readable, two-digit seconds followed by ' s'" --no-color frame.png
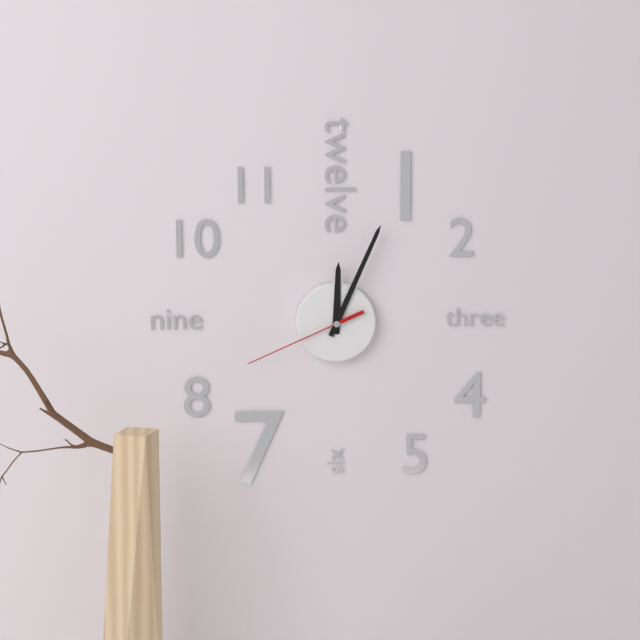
12 h 04 min 41 s
